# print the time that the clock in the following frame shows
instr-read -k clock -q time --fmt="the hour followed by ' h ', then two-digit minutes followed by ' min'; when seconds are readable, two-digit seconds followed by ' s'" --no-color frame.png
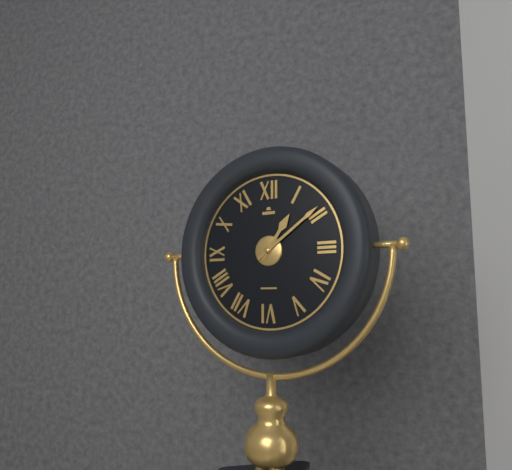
1 h 09 min
